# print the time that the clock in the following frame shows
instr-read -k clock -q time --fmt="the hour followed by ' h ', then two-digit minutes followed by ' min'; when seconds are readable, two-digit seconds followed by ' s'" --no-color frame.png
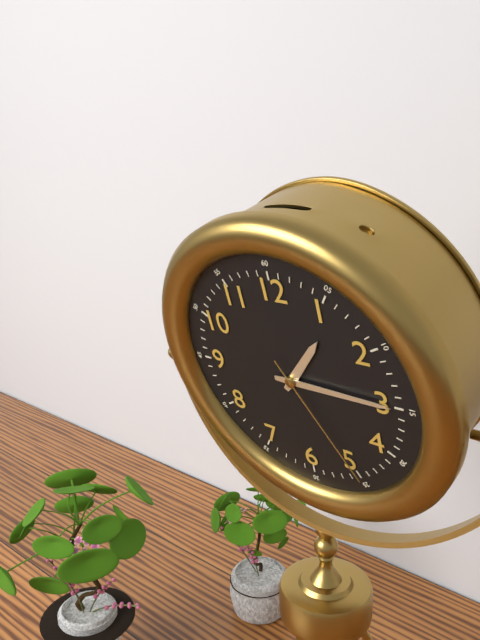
1 h 15 min 25 s
